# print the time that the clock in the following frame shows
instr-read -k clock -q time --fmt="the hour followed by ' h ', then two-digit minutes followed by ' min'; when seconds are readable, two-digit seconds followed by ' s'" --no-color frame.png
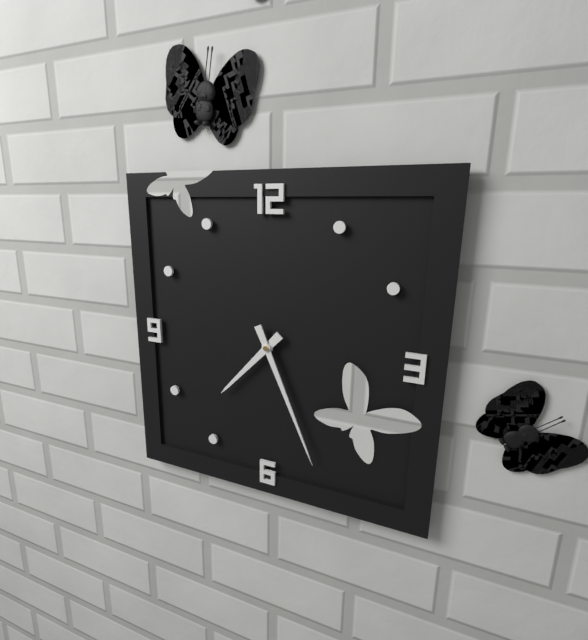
7 h 26 min
